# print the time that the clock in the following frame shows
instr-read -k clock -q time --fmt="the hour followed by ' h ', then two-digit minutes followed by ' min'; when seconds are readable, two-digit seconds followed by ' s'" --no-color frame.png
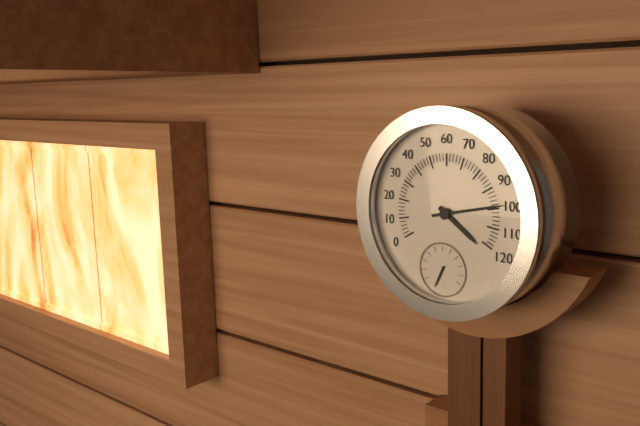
4 h 13 min
